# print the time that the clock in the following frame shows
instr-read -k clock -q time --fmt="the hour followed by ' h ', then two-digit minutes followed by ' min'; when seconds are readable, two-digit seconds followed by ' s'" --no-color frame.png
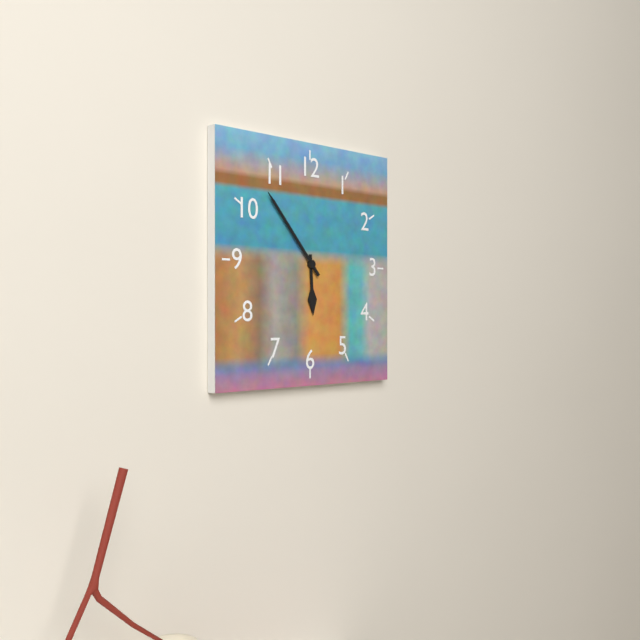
5 h 53 min
